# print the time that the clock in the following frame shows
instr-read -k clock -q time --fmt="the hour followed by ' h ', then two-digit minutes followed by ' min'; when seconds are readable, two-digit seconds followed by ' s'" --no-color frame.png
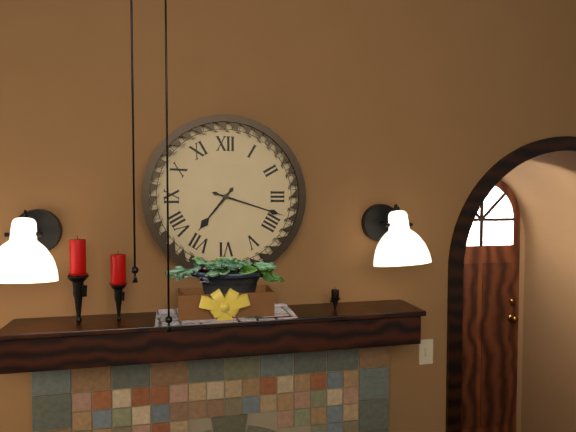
7 h 18 min
